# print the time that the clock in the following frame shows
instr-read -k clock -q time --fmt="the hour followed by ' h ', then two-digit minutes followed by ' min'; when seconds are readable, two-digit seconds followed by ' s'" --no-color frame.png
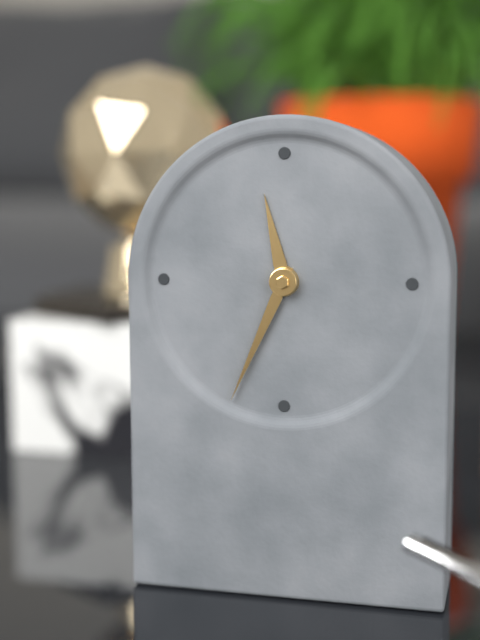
11 h 34 min
